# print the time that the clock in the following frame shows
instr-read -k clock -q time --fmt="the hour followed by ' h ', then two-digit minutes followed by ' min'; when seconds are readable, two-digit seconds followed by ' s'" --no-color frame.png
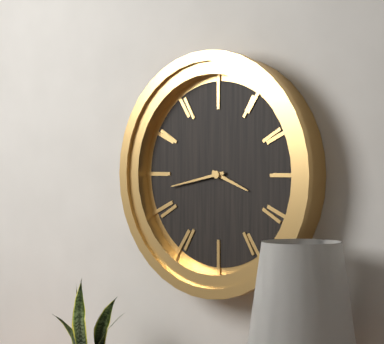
3 h 43 min
